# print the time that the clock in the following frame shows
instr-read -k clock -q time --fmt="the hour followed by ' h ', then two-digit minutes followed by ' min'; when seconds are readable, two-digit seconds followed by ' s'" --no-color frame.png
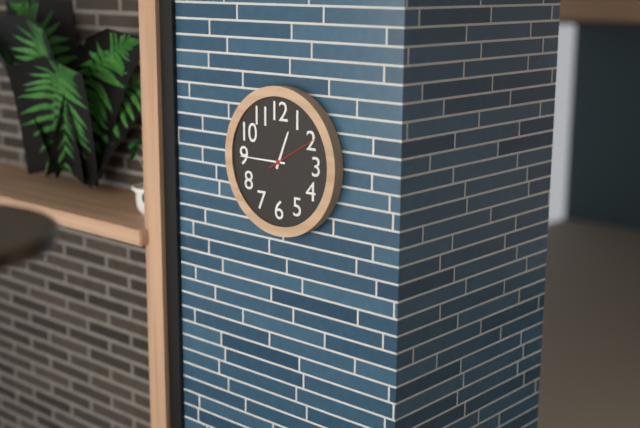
12 h 45 min 10 s
